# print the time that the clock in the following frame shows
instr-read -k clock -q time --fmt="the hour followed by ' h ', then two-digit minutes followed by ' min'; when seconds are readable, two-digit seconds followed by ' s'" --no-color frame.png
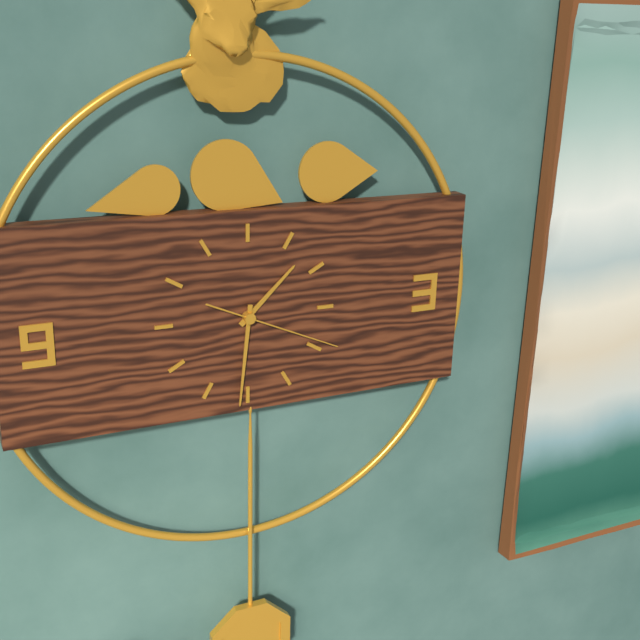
1 h 31 min 19 s
